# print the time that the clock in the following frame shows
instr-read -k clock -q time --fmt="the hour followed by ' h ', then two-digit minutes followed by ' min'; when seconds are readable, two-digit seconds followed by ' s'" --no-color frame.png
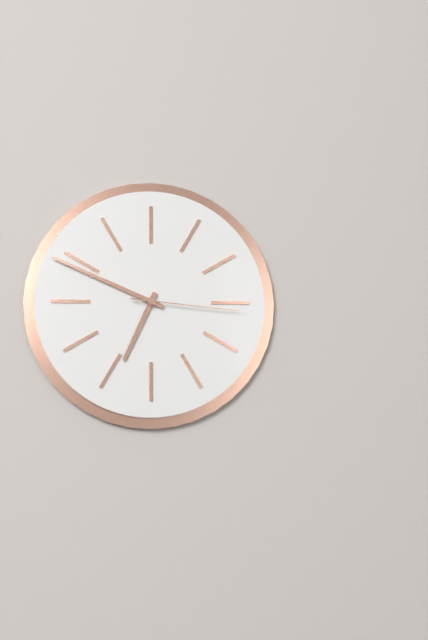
6 h 49 min 16 s
